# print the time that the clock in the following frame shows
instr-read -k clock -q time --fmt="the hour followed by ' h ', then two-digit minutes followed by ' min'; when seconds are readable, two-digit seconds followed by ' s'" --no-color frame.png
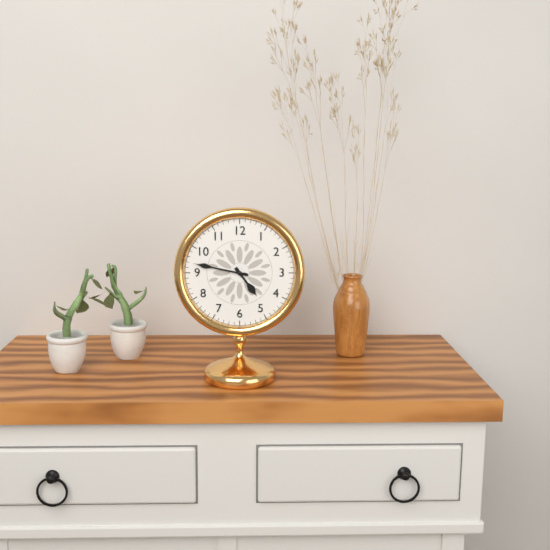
4 h 47 min
